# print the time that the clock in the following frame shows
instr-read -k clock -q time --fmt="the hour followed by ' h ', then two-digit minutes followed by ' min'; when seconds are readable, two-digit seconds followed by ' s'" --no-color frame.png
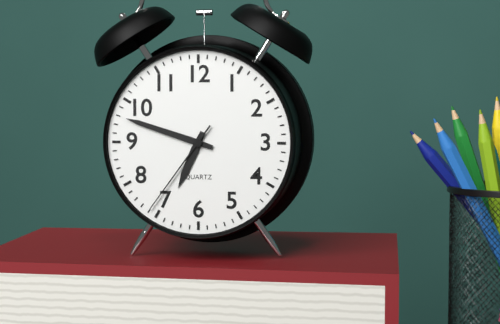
6 h 48 min 36 s
